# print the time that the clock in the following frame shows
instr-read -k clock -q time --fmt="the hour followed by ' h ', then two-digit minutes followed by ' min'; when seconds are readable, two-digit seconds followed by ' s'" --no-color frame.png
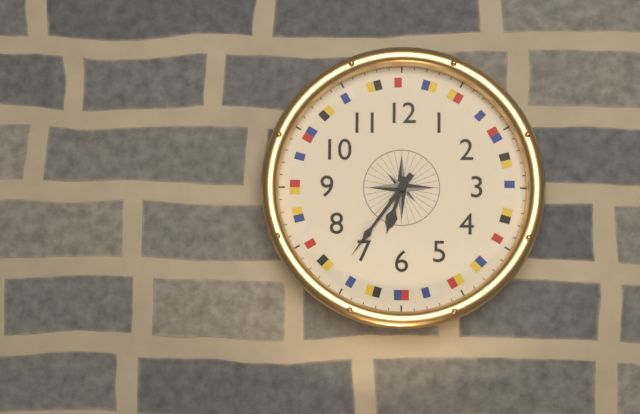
6 h 36 min
